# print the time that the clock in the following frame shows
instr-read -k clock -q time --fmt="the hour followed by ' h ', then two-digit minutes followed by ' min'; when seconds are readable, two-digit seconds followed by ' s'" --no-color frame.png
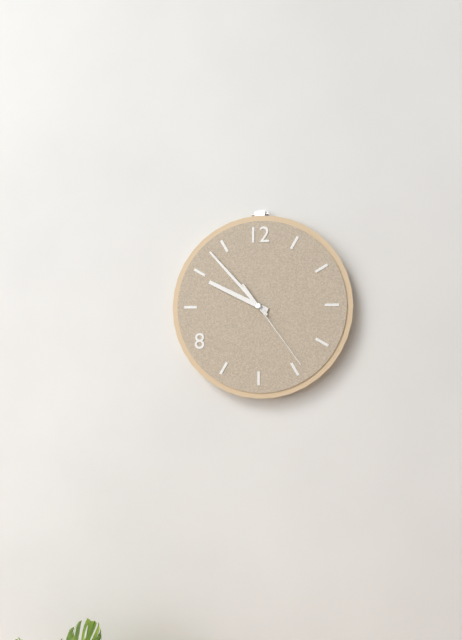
9 h 53 min 24 s
